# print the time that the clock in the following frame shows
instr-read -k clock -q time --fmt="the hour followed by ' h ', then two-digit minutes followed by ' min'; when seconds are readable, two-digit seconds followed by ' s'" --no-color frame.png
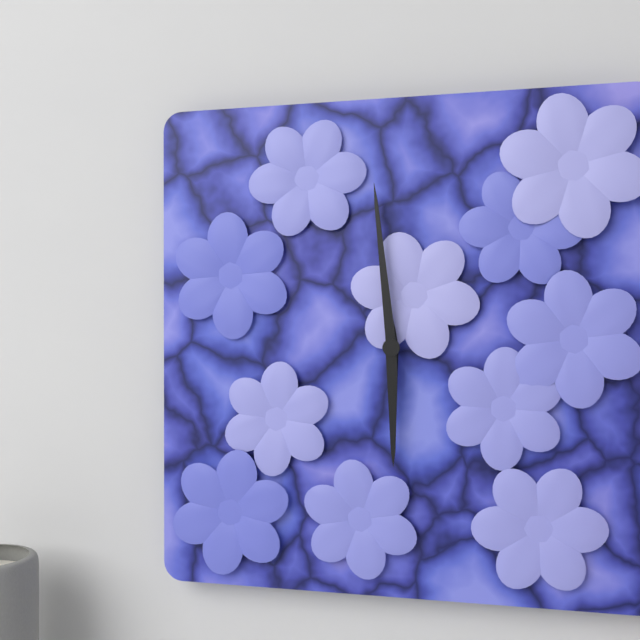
5 h 59 min
